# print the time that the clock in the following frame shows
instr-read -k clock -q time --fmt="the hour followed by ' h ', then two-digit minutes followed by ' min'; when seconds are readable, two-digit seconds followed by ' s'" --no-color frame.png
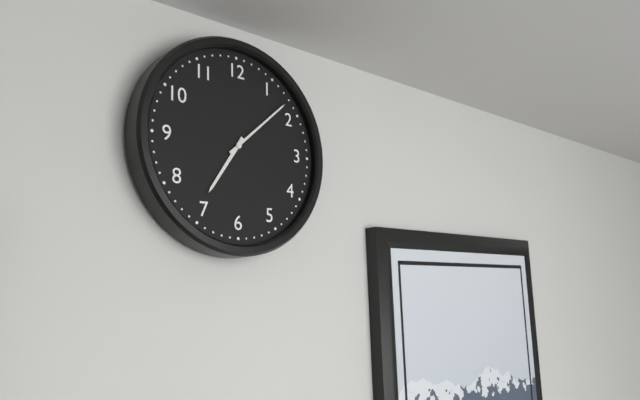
7 h 08 min
